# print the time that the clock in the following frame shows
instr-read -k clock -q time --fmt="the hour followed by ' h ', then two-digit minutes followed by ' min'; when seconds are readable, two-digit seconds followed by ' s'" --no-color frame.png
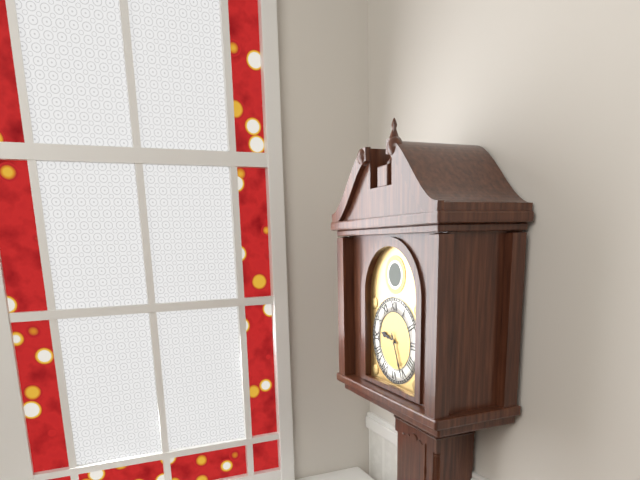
9 h 26 min
